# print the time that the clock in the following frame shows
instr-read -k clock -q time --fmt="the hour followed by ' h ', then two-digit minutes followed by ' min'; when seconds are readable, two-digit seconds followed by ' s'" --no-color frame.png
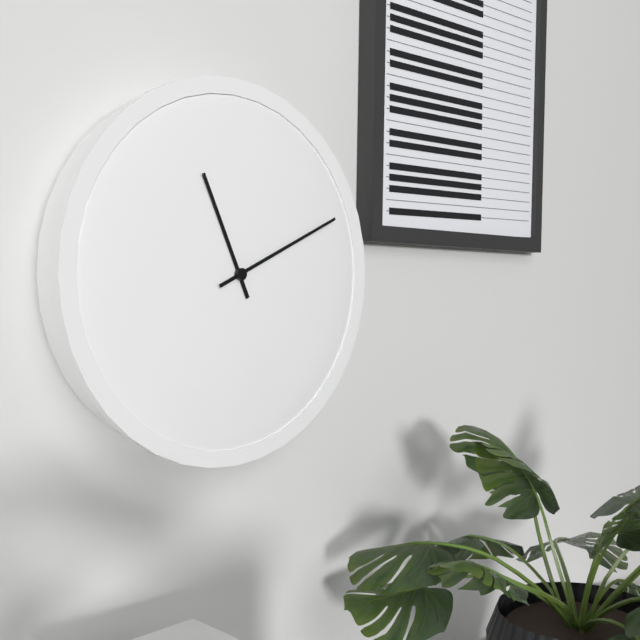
11 h 11 min
